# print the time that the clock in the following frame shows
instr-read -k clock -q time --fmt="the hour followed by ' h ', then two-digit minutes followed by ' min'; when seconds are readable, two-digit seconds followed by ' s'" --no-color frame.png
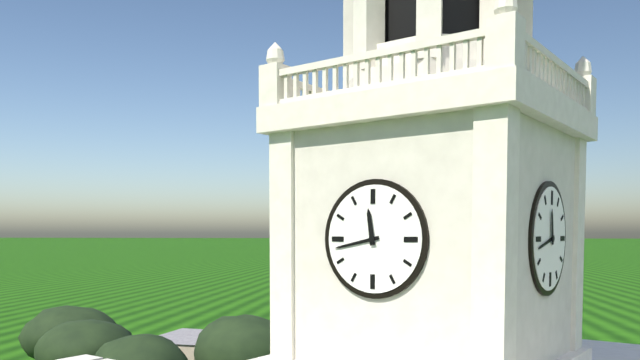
11 h 43 min
